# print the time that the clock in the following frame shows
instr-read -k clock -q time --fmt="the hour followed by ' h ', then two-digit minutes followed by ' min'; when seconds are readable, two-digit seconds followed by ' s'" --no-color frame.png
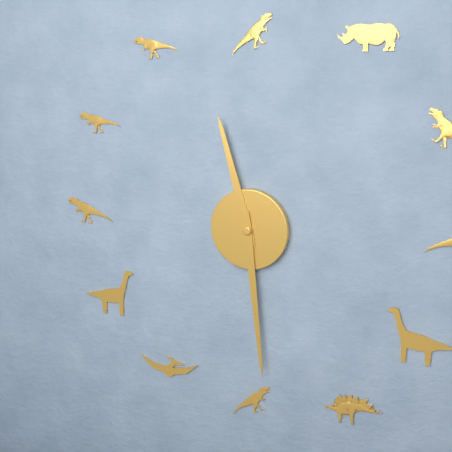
11 h 29 min
